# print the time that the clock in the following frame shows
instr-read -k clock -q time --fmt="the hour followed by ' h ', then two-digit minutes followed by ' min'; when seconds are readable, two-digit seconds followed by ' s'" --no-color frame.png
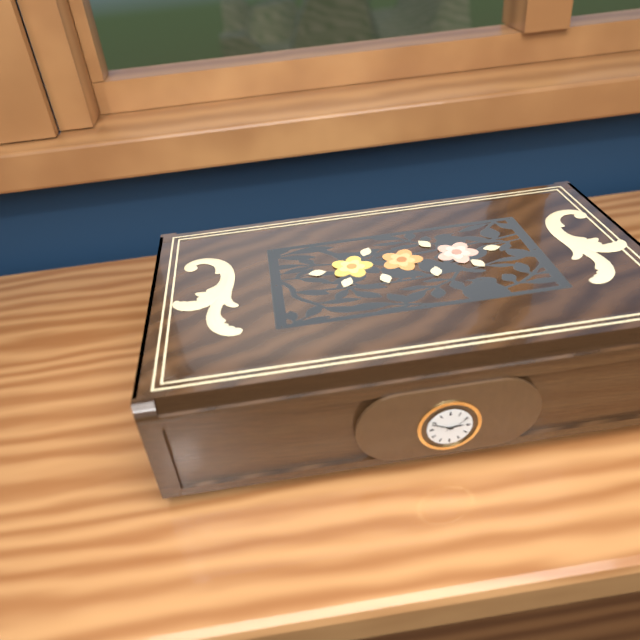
2 h 49 min 10 s
